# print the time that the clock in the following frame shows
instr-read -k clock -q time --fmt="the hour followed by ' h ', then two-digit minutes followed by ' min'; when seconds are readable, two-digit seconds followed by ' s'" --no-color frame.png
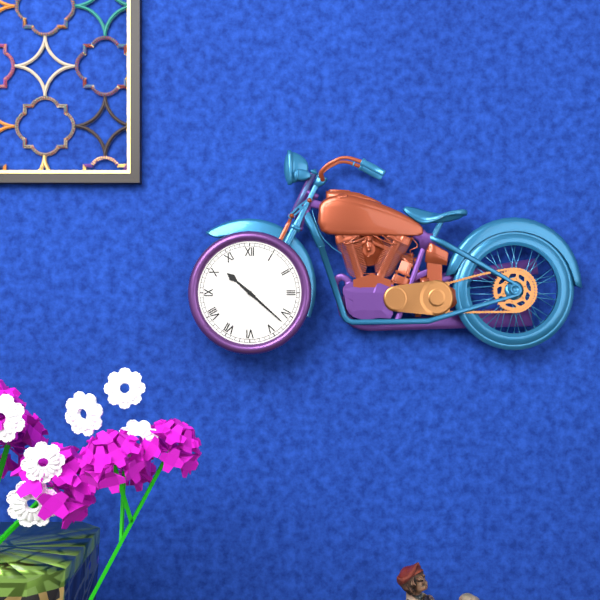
10 h 22 min
